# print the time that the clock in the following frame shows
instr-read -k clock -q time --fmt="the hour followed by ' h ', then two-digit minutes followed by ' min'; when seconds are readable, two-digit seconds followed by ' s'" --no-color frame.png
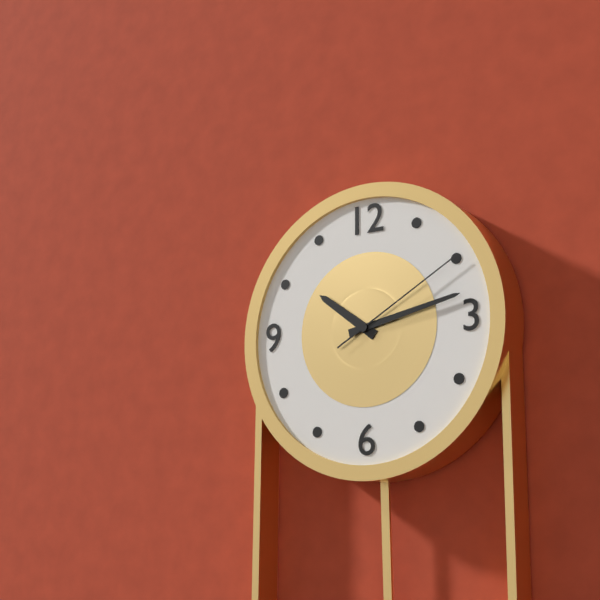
10 h 13 min 10 s
